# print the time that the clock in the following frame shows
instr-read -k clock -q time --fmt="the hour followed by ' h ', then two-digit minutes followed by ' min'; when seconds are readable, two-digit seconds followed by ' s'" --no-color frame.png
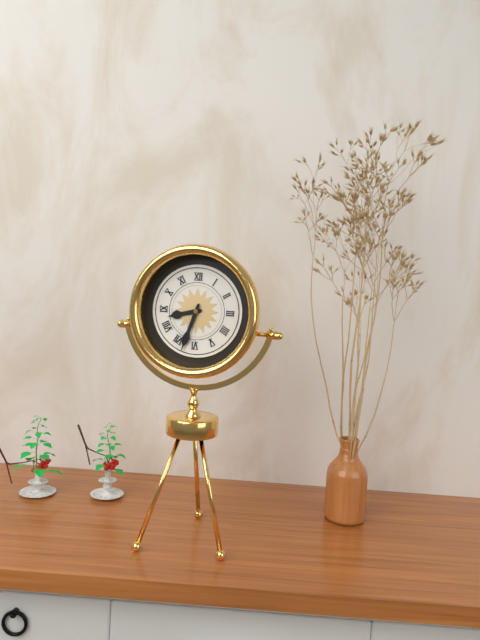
8 h 33 min
